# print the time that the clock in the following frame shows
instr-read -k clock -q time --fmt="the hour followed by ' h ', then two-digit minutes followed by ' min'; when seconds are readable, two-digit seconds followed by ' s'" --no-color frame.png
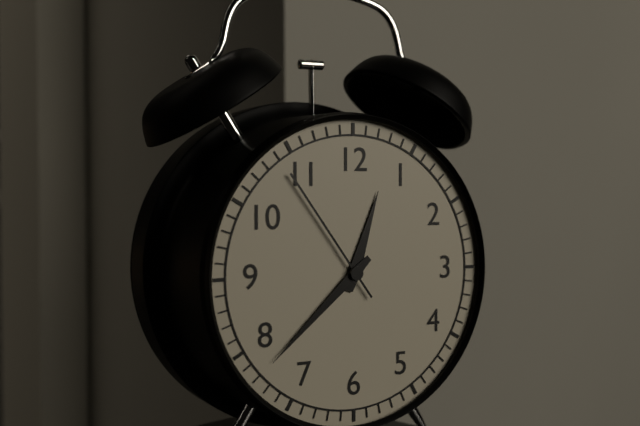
12 h 38 min 54 s
